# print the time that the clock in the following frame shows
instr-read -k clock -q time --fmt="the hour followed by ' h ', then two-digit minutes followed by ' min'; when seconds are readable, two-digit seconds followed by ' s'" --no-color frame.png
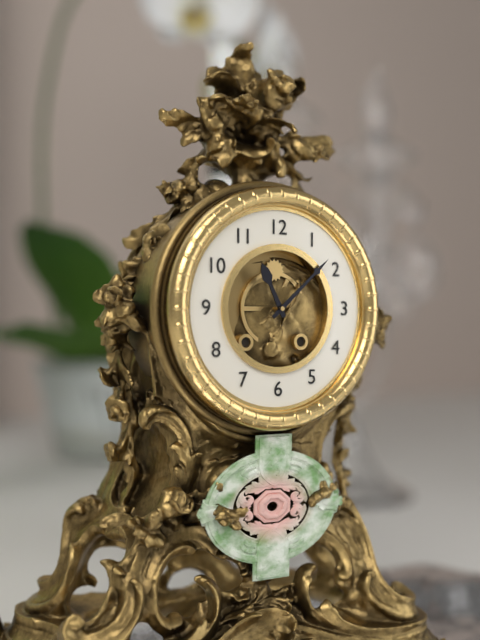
11 h 08 min
